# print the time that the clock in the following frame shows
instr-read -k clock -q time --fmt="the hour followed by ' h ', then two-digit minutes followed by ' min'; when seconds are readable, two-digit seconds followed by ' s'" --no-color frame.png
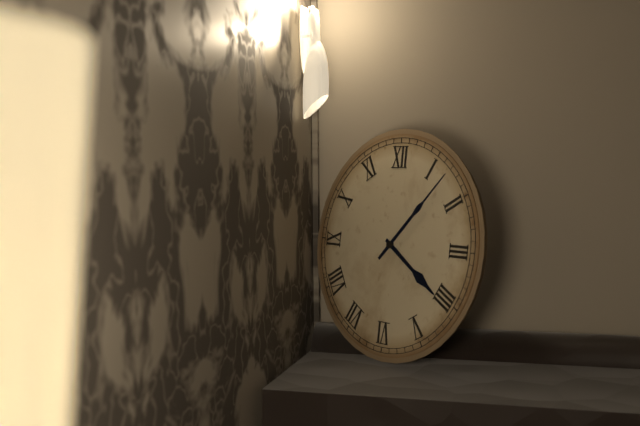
4 h 07 min
